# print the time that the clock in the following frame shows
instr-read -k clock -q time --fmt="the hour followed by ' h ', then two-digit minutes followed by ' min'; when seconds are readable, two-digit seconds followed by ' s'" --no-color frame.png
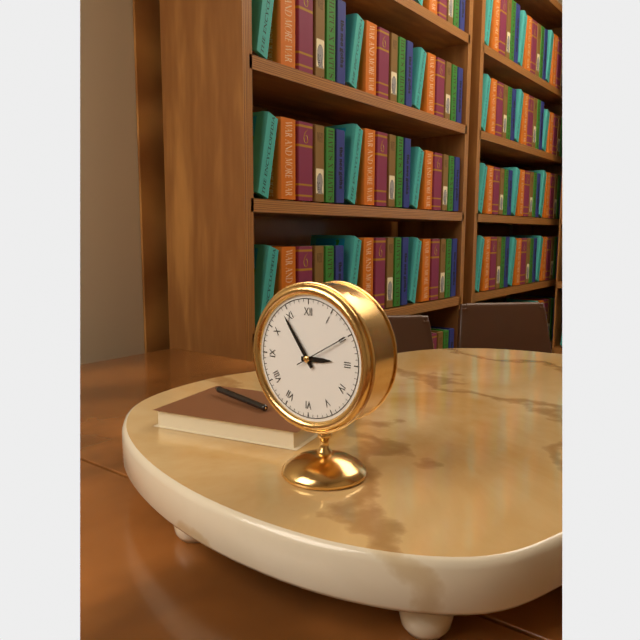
2 h 54 min 10 s
